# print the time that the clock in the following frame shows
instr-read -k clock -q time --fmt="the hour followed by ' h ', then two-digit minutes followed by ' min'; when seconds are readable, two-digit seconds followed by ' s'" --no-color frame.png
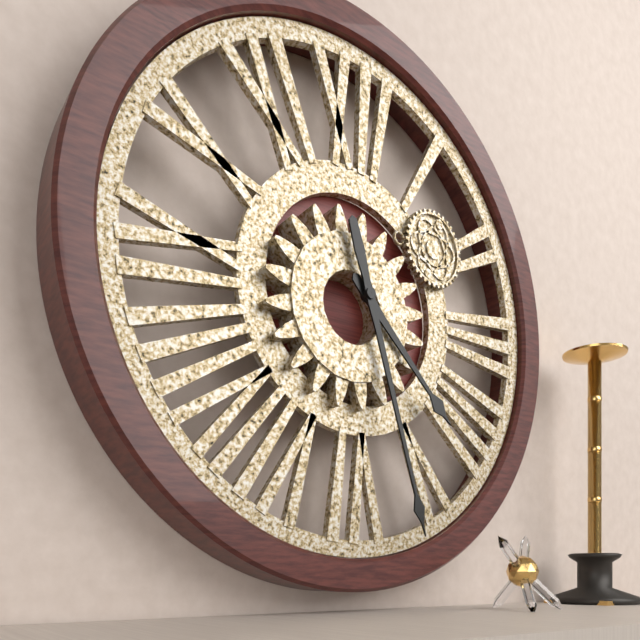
4 h 27 min
